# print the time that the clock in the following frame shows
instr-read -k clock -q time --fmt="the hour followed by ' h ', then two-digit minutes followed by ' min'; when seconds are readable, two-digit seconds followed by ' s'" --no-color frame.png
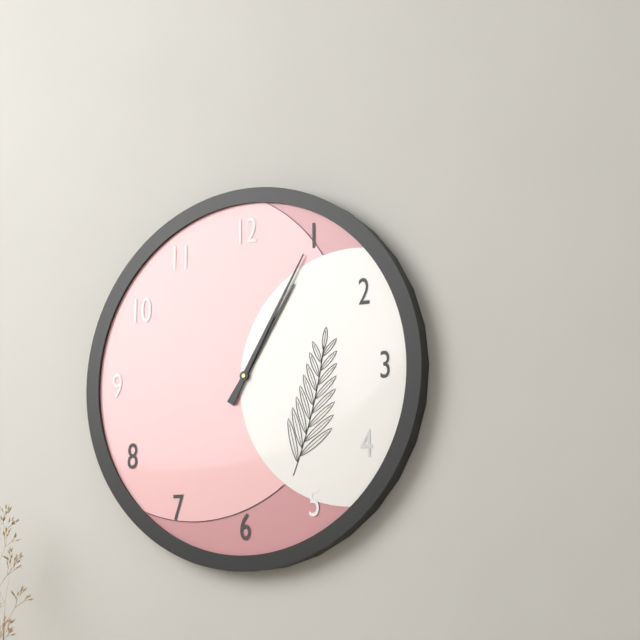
1 h 05 min
